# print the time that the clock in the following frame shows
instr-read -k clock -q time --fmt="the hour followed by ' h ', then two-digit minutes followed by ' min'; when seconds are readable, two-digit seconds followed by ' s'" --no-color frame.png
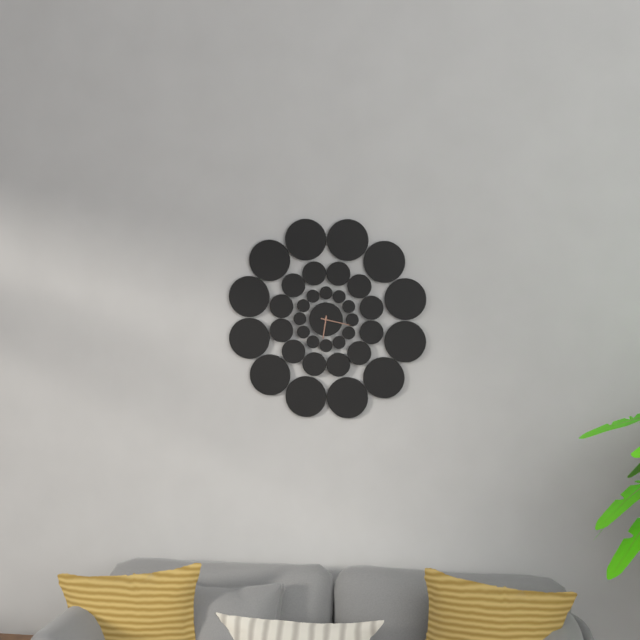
6 h 17 min
